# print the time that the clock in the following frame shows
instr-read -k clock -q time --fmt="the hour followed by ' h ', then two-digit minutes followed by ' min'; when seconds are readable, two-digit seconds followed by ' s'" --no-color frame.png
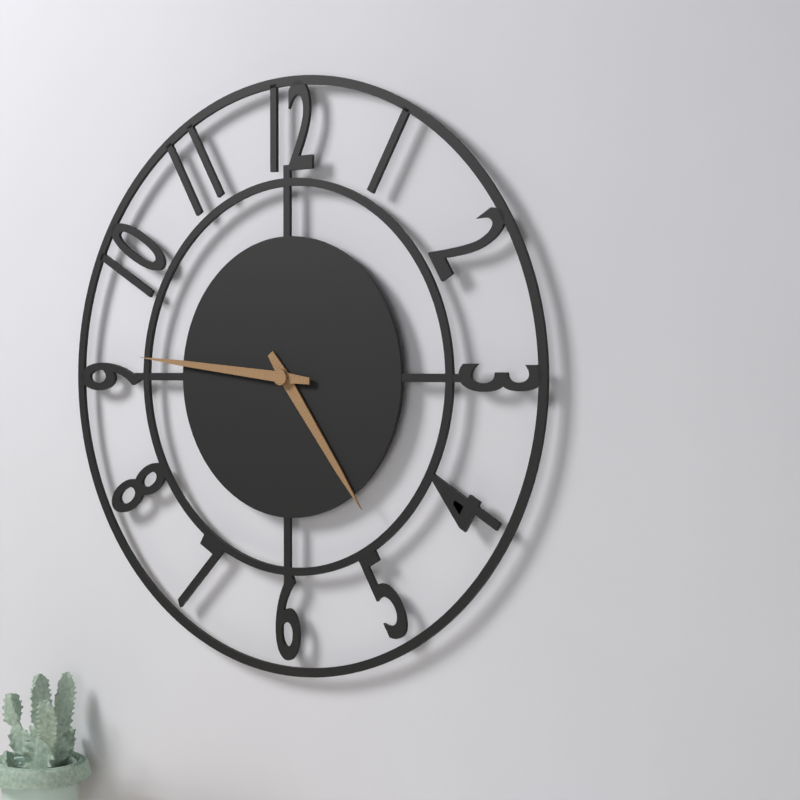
4 h 46 min
